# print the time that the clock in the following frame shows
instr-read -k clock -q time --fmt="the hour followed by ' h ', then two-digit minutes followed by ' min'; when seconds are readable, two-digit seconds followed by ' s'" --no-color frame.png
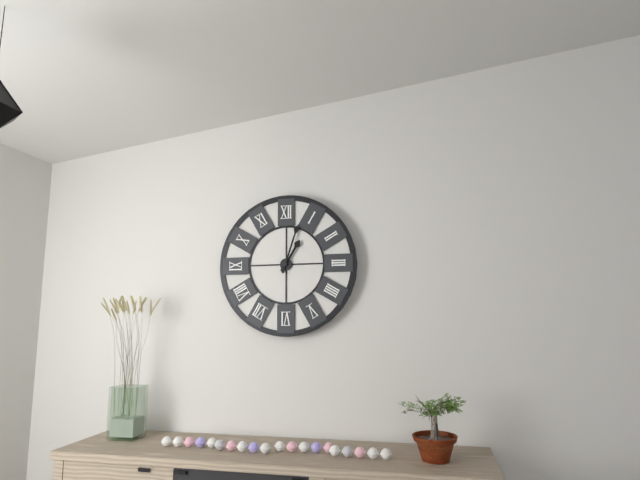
1 h 03 min
